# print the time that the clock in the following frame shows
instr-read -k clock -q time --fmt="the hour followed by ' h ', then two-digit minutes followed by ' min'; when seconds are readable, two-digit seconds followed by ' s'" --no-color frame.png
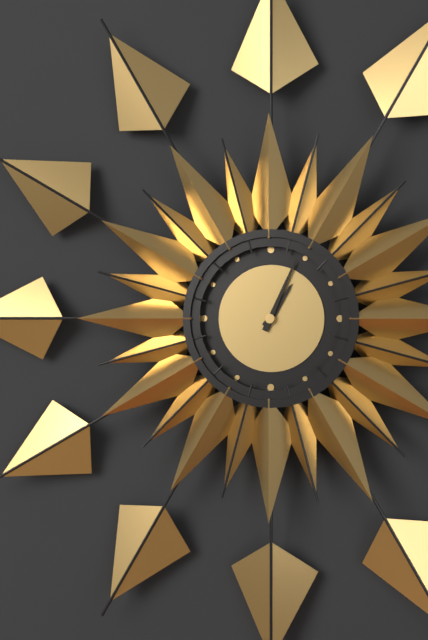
1 h 04 min
